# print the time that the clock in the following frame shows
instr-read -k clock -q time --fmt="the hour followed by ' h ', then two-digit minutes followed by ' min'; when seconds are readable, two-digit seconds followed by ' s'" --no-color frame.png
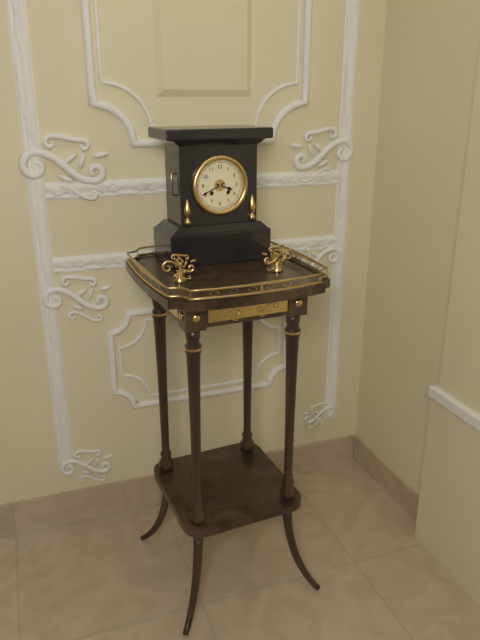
3 h 41 min
